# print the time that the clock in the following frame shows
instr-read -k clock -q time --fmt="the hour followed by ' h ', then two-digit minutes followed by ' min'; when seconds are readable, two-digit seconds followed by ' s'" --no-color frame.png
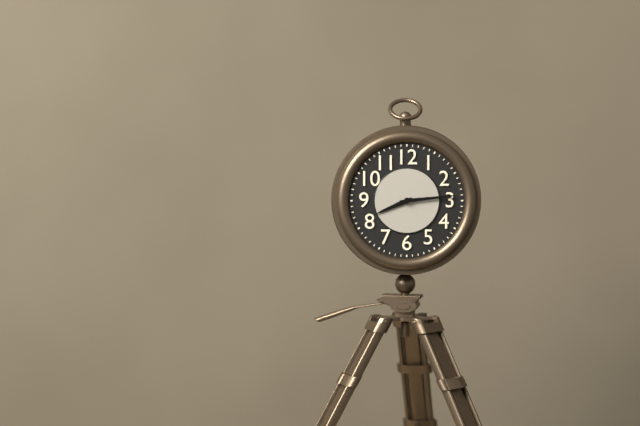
8 h 14 min
